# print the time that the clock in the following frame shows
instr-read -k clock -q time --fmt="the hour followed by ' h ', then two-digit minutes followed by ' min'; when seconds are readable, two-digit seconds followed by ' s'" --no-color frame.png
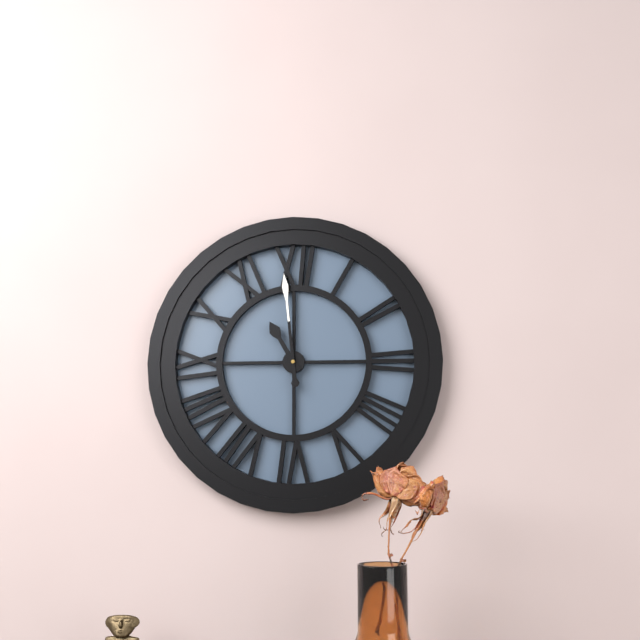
10 h 59 min
